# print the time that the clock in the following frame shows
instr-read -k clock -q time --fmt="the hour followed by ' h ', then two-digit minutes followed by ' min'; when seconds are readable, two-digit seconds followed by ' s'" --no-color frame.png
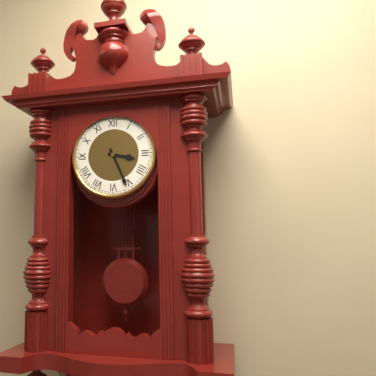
3 h 26 min
